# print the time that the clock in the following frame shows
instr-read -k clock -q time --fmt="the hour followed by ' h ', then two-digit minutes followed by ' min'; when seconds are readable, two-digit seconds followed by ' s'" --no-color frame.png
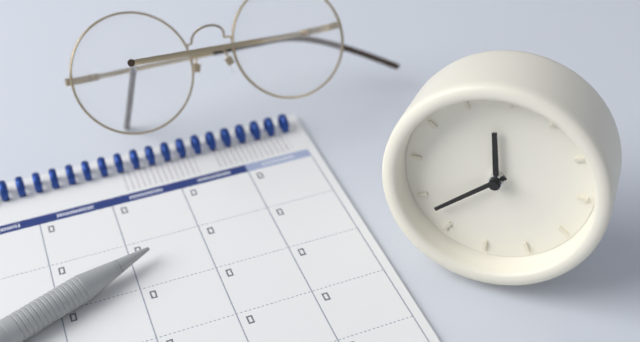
11 h 38 min
